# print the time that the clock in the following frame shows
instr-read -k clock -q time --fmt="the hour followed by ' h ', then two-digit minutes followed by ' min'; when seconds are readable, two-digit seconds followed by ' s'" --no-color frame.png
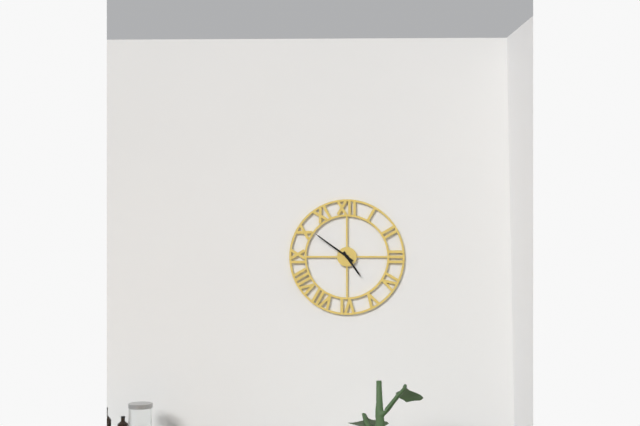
4 h 51 min
